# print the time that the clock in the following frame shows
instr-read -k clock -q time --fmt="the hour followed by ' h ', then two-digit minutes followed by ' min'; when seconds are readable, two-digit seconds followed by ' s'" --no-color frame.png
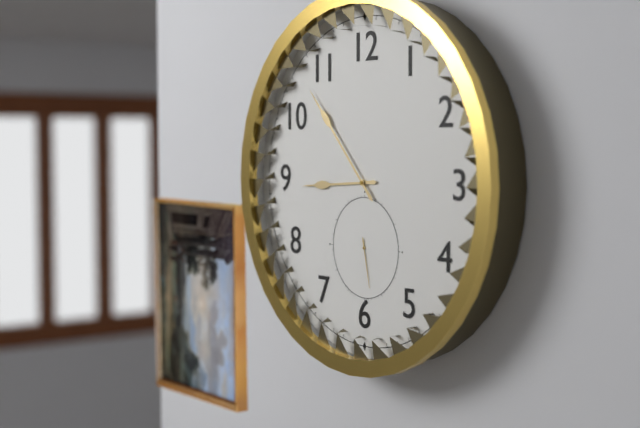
8 h 53 min 28 s
